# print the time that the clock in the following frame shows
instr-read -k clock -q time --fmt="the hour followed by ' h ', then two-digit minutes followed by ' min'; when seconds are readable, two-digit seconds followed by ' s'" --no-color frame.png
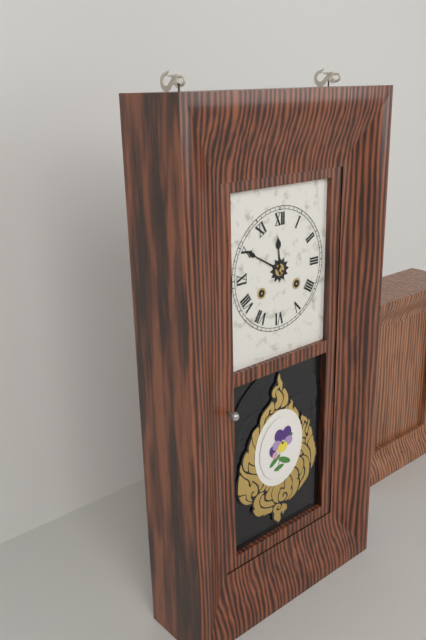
11 h 50 min
